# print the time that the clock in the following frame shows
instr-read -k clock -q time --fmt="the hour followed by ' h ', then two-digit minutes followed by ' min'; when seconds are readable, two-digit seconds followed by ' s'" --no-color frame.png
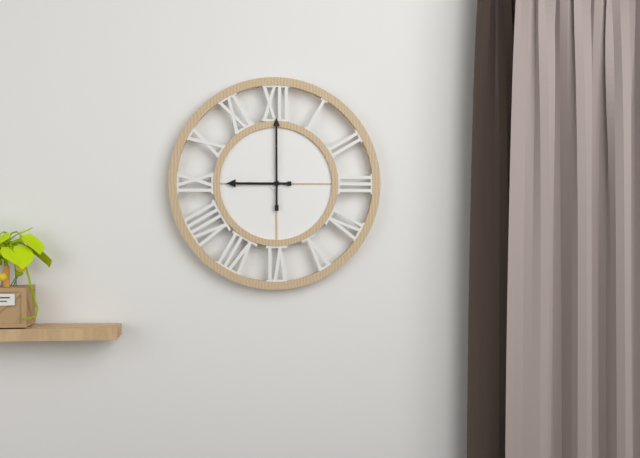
9 h 00 min
